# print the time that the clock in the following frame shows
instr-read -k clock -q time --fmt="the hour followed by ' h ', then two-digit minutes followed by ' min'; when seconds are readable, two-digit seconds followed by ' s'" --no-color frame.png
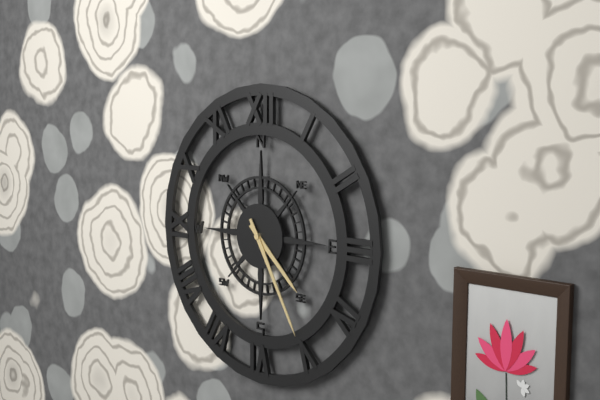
4 h 25 min
